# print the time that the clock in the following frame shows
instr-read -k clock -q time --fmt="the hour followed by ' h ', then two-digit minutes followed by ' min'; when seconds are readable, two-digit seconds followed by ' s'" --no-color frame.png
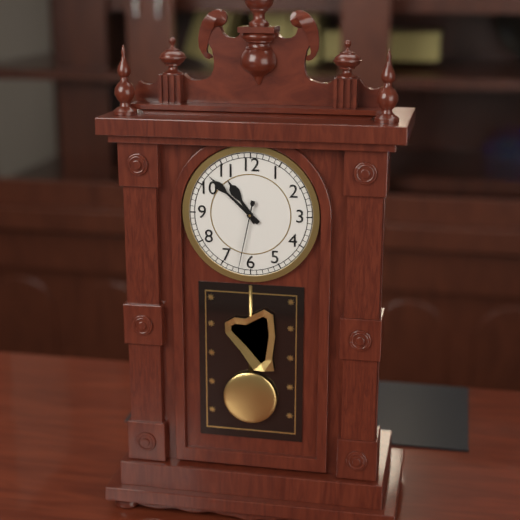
10 h 52 min 32 s
